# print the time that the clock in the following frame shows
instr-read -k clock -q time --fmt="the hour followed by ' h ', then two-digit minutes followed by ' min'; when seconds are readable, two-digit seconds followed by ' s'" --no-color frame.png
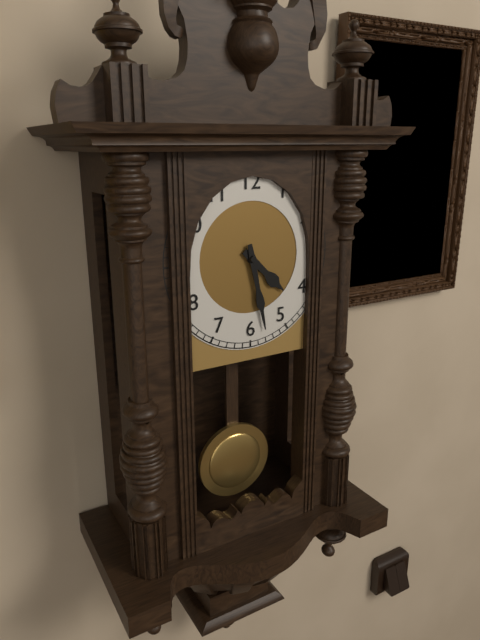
4 h 28 min
